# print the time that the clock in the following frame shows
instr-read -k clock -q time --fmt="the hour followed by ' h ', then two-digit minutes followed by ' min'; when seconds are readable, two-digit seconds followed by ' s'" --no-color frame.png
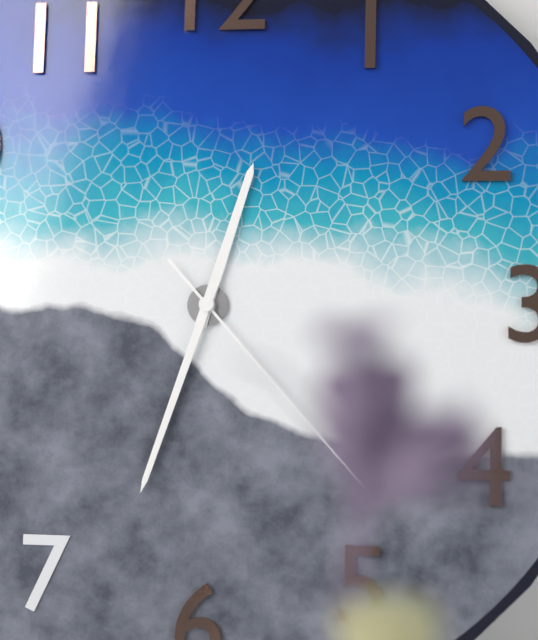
12 h 33 min 23 s
